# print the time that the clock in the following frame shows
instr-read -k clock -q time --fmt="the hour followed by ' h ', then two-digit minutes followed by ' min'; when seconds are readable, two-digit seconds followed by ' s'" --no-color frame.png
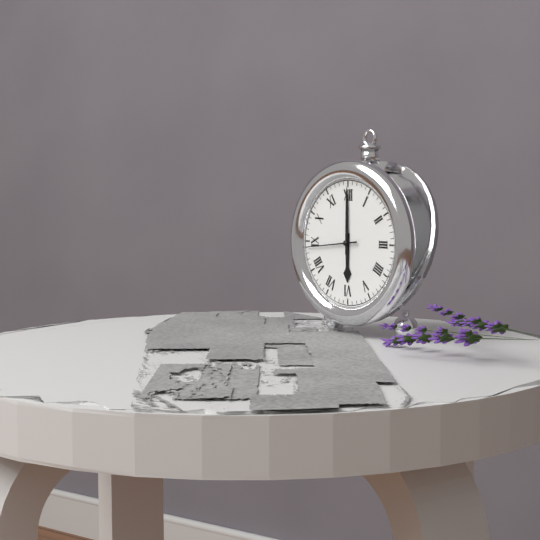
6 h 00 min 44 s
